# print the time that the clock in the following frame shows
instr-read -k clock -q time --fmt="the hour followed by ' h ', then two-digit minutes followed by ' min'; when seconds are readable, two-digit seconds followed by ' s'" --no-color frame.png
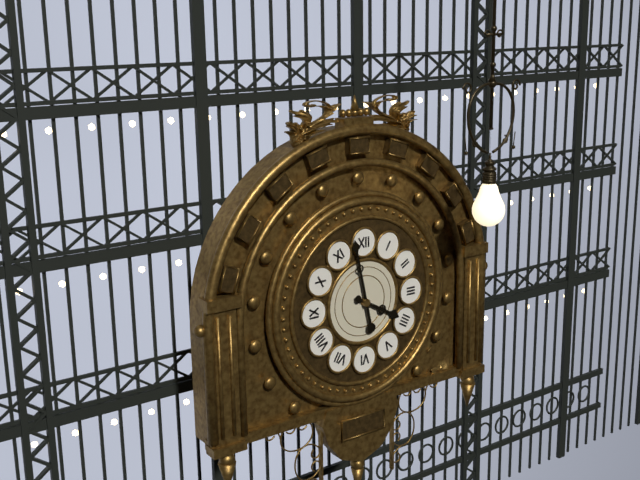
3 h 58 min
